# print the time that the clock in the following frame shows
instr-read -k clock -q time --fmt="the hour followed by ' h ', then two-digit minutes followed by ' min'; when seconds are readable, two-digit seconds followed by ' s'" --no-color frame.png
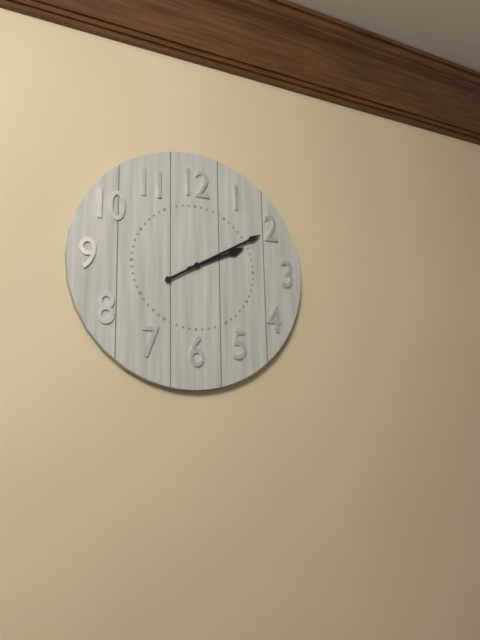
2 h 10 min
